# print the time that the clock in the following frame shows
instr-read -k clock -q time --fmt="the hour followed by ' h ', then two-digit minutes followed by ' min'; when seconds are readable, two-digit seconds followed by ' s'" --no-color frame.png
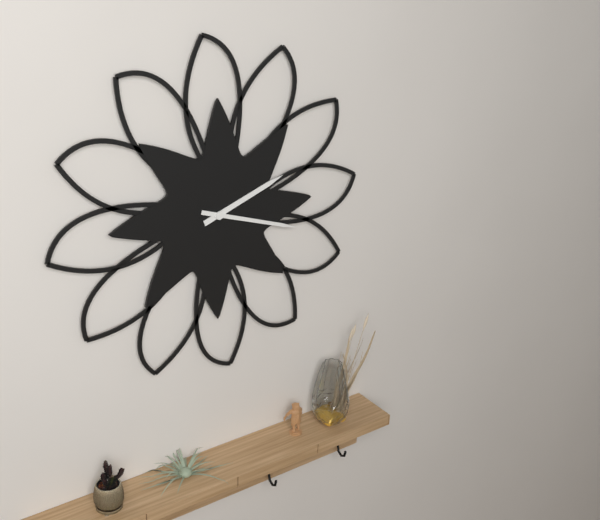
2 h 18 min
